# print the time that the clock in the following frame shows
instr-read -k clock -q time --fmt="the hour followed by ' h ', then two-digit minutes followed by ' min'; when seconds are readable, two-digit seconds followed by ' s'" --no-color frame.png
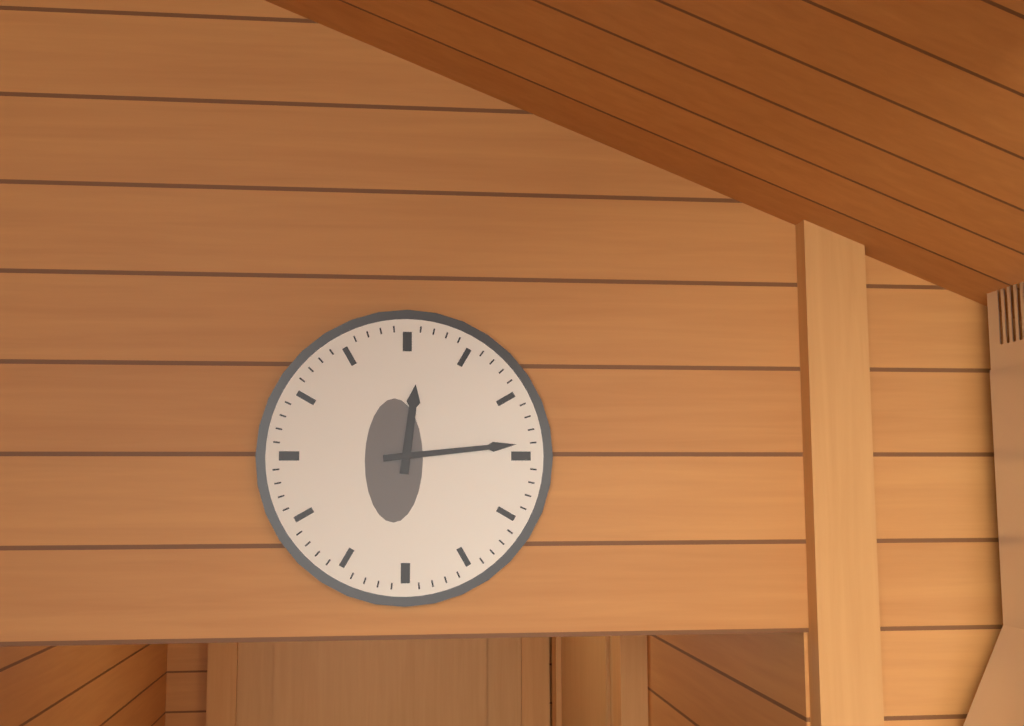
12 h 14 min
